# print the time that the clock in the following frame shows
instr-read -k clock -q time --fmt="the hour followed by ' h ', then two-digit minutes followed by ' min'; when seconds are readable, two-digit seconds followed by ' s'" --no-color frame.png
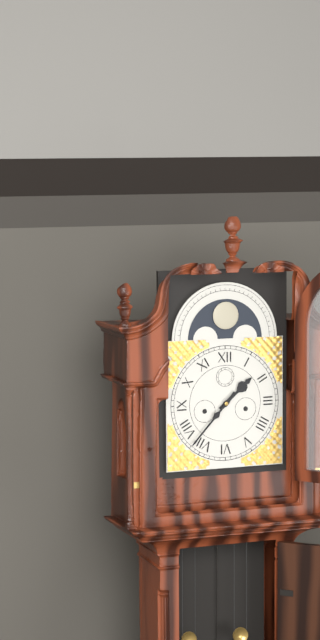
1 h 37 min
